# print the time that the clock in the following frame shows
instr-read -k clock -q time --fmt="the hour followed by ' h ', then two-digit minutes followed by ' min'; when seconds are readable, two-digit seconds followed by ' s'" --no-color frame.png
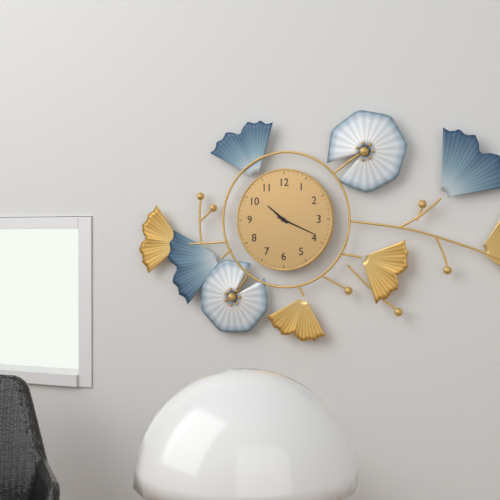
10 h 19 min
